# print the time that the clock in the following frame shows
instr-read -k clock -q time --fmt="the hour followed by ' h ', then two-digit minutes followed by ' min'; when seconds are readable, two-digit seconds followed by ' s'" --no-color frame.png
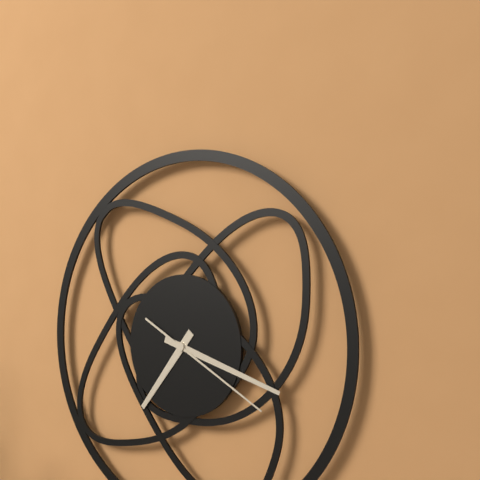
7 h 18 min 20 s
